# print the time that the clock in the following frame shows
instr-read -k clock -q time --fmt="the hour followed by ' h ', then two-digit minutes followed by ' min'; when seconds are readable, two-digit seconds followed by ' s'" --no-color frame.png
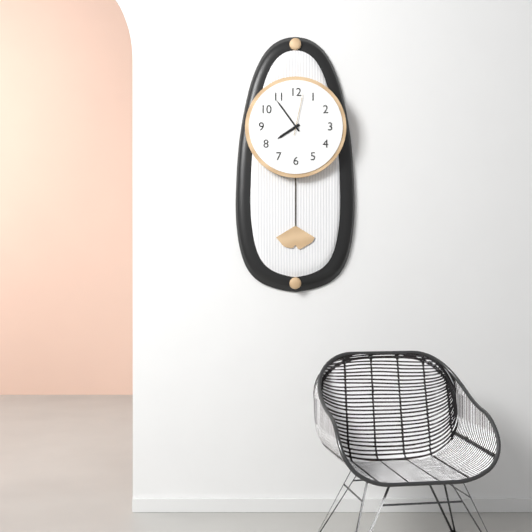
7 h 54 min
